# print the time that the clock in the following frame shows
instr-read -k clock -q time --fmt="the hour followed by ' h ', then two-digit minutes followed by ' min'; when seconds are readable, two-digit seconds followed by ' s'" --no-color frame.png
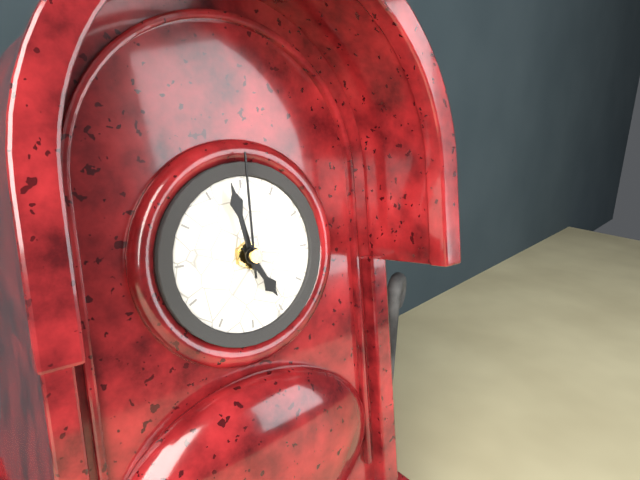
4 h 58 min 00 s
